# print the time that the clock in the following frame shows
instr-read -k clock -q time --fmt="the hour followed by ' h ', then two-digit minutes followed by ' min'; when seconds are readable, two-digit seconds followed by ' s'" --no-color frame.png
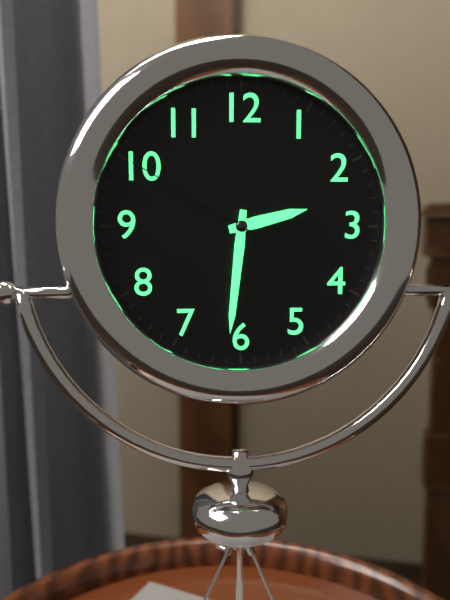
2 h 31 min 50 s
